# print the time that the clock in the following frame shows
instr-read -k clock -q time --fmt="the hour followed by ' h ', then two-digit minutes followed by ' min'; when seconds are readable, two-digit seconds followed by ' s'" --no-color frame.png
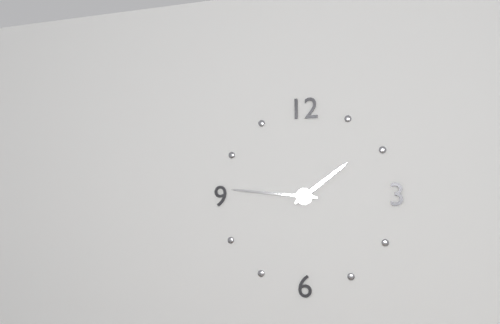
1 h 46 min
